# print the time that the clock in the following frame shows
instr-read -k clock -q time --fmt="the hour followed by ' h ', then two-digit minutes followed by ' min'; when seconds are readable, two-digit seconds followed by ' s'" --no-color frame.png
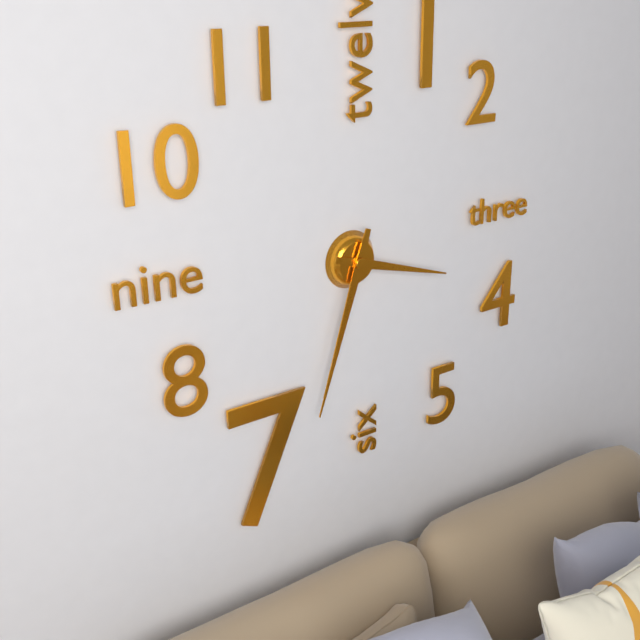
3 h 33 min
